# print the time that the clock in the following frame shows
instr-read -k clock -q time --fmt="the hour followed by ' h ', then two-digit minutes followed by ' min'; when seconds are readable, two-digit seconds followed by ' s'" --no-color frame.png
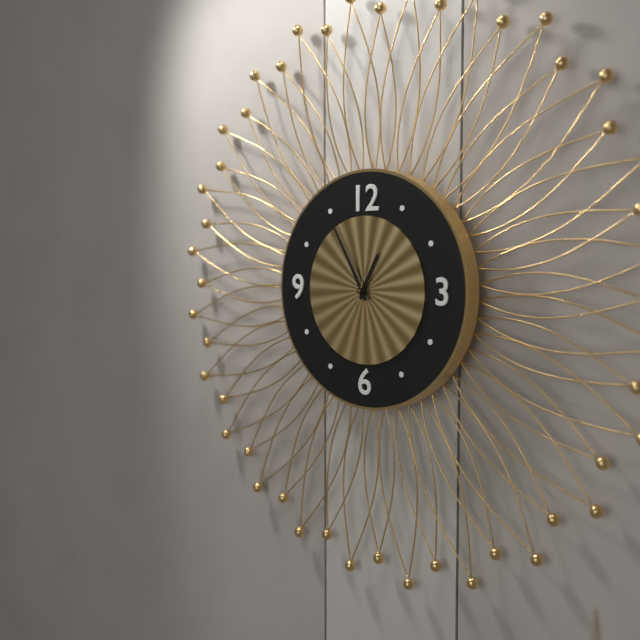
12 h 55 min 33 s
